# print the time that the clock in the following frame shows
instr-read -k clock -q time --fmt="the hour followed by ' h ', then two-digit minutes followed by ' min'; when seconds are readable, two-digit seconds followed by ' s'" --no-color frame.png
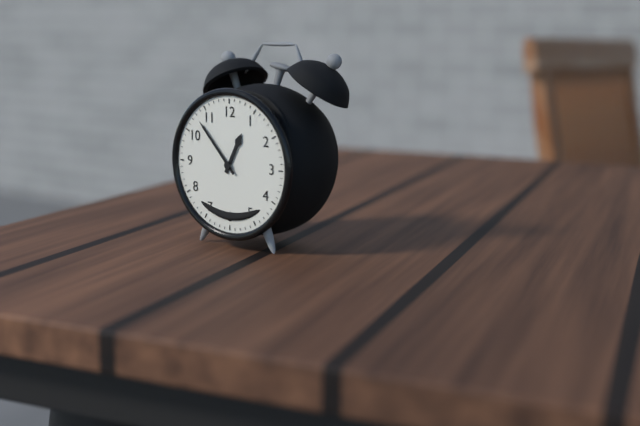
12 h 53 min
